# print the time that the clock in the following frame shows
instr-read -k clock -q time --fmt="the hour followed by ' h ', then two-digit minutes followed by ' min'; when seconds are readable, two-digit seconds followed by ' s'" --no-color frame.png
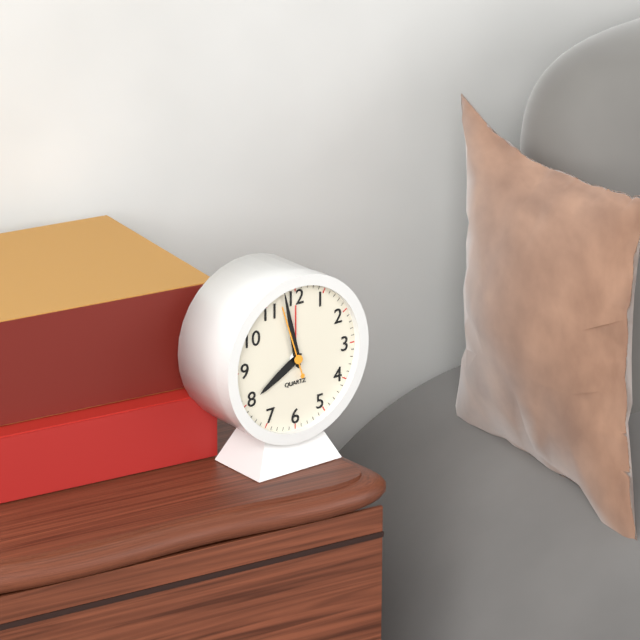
7 h 58 min 57 s
